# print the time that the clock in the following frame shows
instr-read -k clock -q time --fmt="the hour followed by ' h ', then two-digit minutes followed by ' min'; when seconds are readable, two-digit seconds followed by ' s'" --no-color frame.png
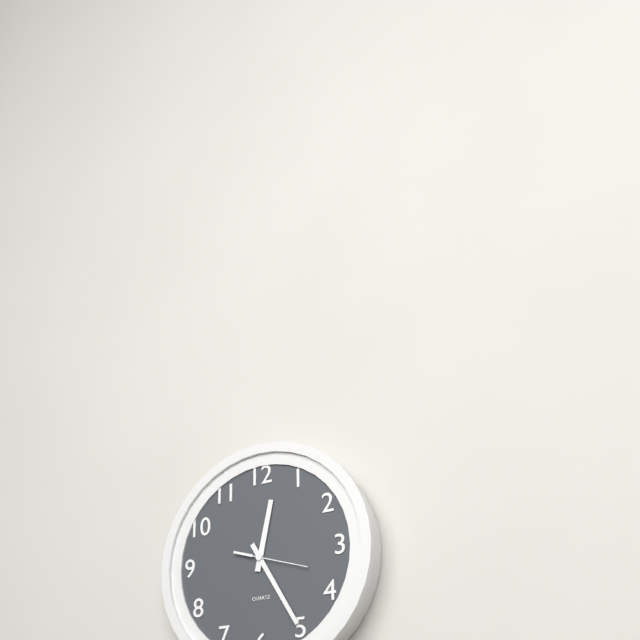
12 h 25 min 18 s
